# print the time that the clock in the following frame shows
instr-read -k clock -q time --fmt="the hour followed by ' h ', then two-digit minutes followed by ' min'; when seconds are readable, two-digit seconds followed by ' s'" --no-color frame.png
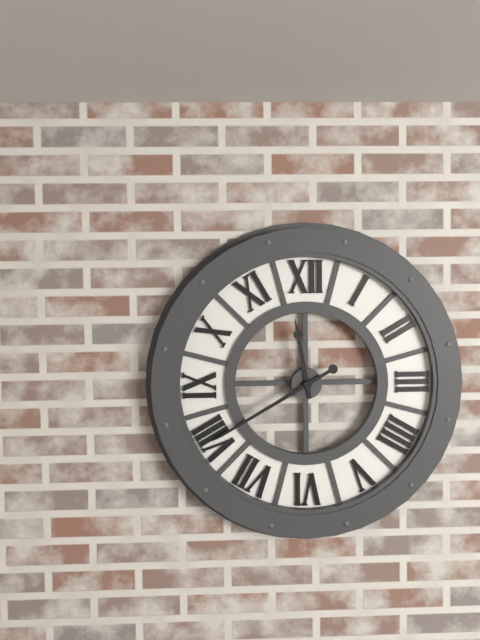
11 h 40 min
